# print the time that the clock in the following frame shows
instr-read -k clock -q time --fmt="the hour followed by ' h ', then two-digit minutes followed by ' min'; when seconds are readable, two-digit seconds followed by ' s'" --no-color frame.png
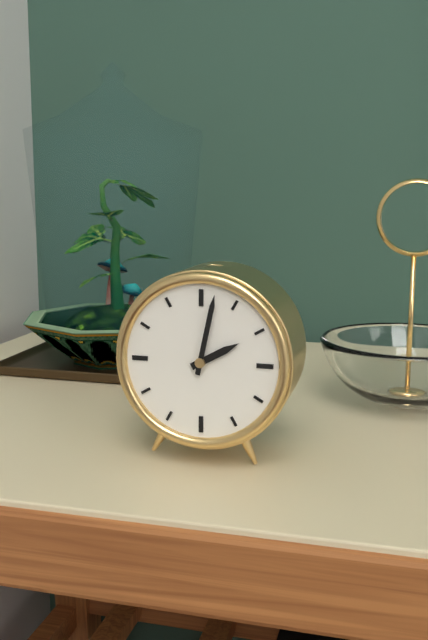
2 h 02 min
